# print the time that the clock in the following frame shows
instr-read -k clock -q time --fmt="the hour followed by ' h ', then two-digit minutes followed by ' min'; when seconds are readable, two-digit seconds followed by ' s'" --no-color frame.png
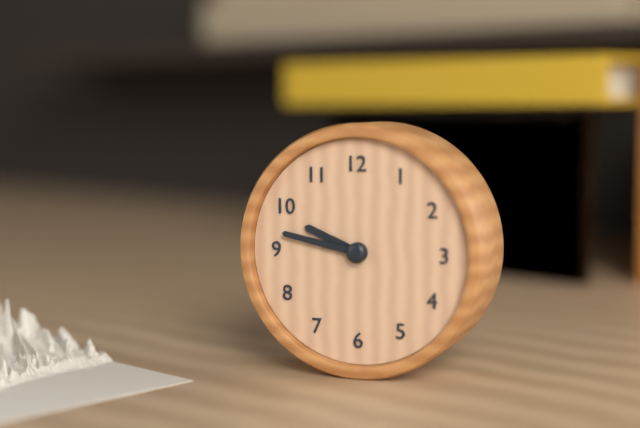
9 h 47 min
